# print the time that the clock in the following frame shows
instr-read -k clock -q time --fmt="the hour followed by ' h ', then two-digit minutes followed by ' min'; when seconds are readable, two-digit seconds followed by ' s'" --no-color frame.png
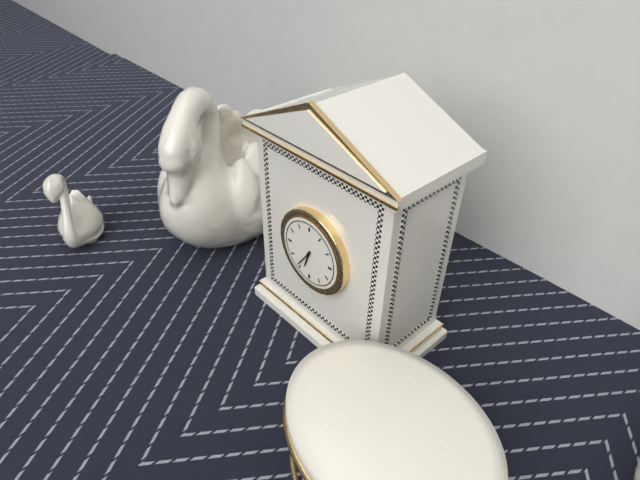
6 h 36 min
